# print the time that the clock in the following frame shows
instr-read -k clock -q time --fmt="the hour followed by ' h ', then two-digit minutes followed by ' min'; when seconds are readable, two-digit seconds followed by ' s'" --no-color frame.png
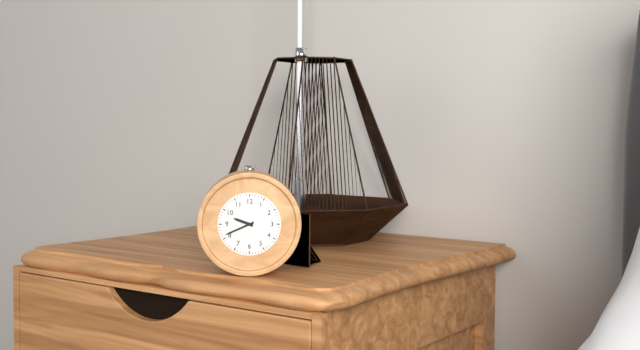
9 h 41 min
